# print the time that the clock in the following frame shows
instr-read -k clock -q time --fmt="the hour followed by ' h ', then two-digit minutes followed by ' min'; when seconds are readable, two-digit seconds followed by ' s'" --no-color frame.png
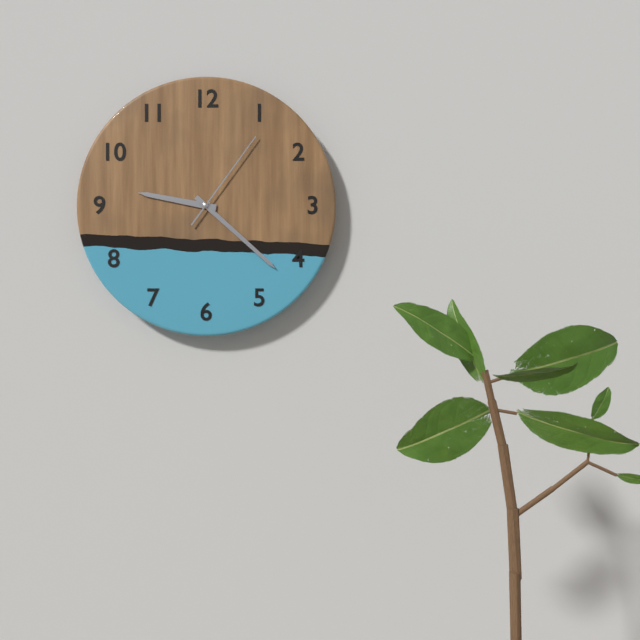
9 h 22 min 06 s
